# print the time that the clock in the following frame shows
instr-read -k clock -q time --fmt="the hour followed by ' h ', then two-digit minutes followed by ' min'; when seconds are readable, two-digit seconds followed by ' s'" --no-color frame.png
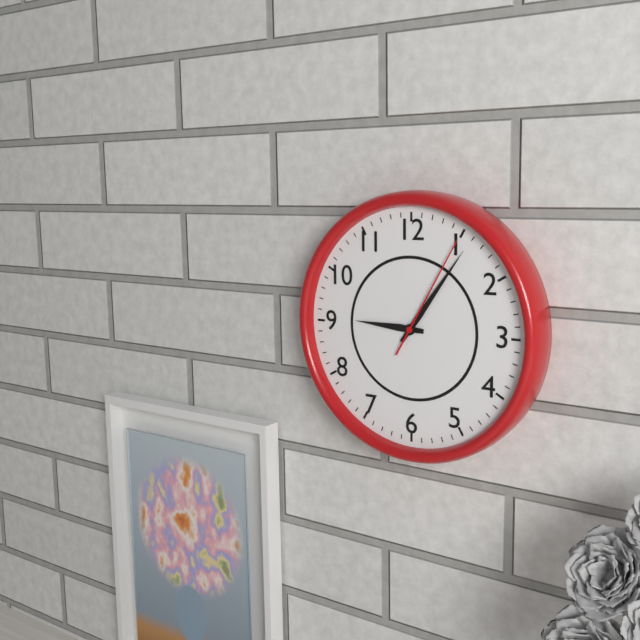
9 h 06 min 05 s
